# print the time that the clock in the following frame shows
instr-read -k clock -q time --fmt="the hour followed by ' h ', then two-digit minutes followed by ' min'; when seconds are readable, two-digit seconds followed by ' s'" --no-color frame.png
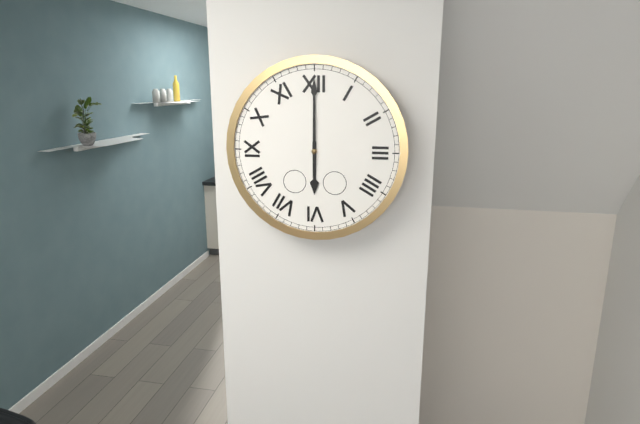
6 h 00 min
